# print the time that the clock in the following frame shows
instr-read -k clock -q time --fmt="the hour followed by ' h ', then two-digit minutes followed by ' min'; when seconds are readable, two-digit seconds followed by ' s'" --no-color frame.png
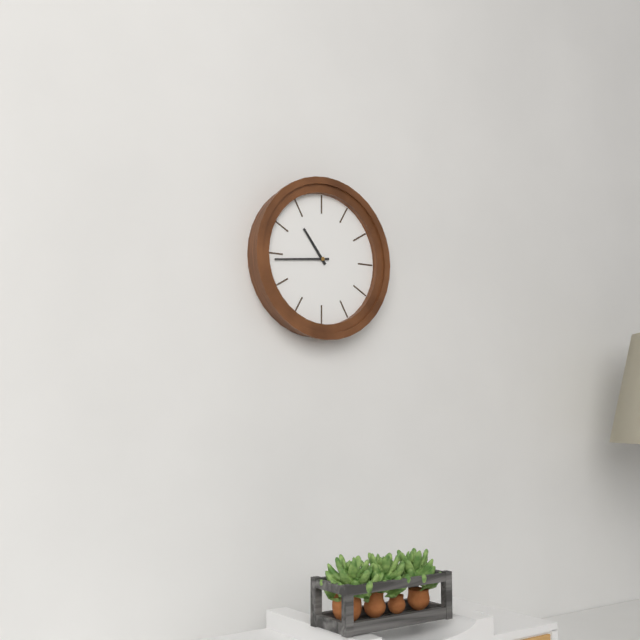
10 h 44 min
